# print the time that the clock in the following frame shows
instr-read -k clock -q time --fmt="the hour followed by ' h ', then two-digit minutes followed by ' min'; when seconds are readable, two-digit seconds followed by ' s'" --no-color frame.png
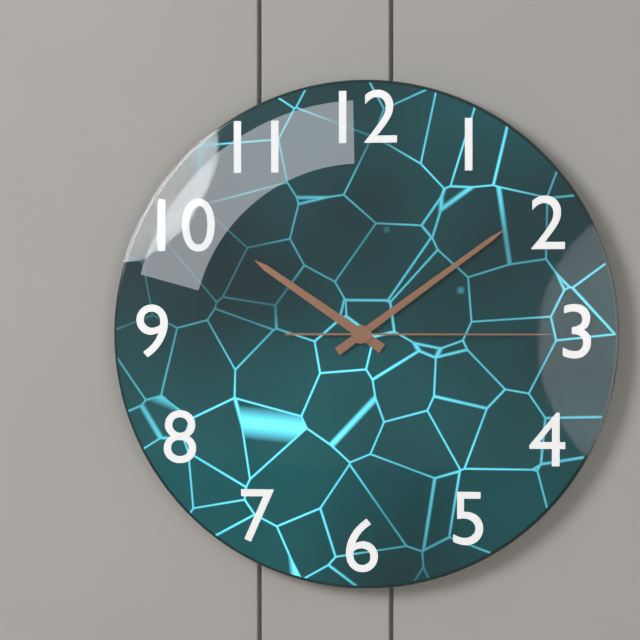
10 h 09 min 15 s
